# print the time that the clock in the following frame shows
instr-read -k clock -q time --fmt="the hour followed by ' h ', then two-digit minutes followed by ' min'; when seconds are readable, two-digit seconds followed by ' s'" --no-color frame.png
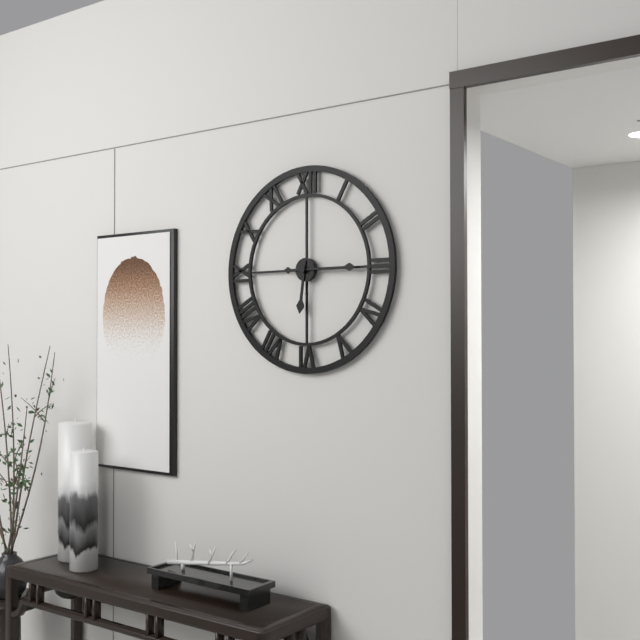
6 h 15 min
